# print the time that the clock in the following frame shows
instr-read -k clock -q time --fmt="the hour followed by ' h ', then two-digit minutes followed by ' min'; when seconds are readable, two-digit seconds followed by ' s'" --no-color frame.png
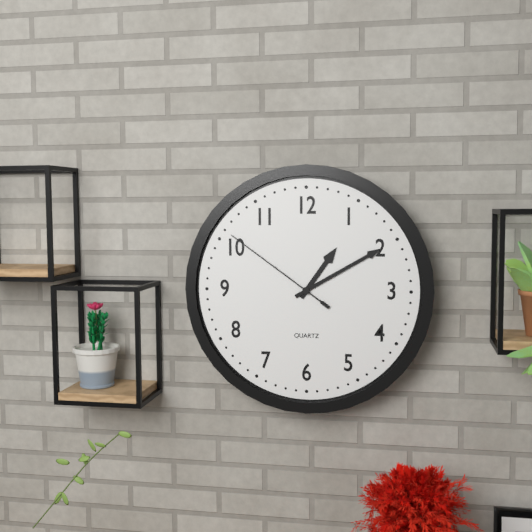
1 h 10 min 51 s
